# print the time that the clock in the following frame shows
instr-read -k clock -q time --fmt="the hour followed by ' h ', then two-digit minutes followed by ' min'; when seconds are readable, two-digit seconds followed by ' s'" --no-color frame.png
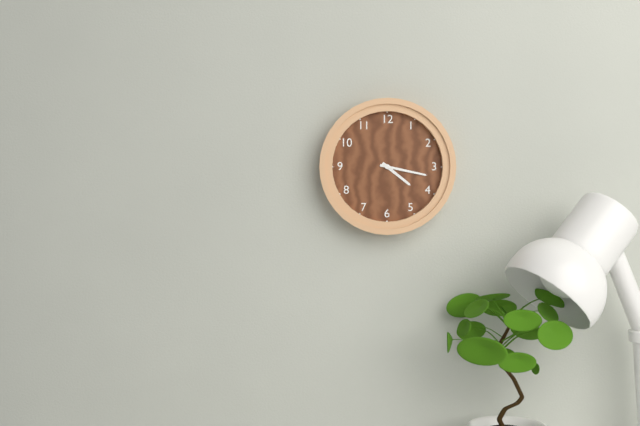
4 h 17 min
